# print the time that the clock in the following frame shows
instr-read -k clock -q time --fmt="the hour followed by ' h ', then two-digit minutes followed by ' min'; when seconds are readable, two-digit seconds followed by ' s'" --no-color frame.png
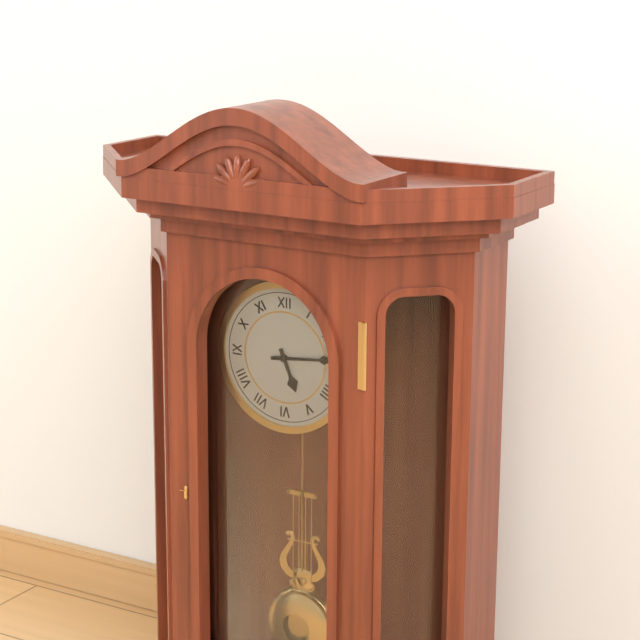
5 h 14 min
